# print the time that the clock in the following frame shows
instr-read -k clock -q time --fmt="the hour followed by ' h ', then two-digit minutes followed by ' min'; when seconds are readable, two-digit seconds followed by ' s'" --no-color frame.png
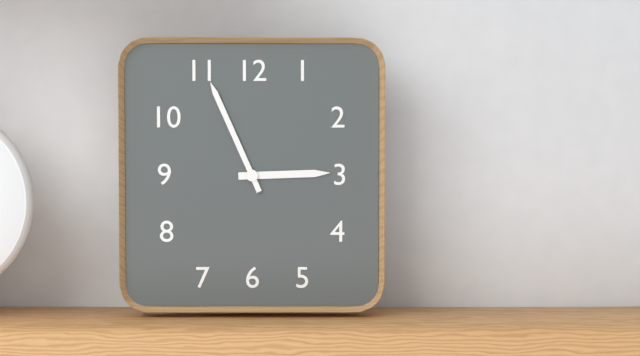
2 h 56 min
